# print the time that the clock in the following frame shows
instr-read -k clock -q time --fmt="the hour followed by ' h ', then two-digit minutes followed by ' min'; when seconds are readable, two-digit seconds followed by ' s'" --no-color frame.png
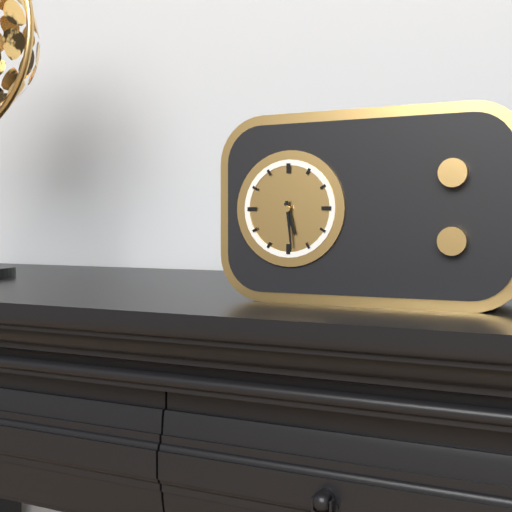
5 h 29 min
